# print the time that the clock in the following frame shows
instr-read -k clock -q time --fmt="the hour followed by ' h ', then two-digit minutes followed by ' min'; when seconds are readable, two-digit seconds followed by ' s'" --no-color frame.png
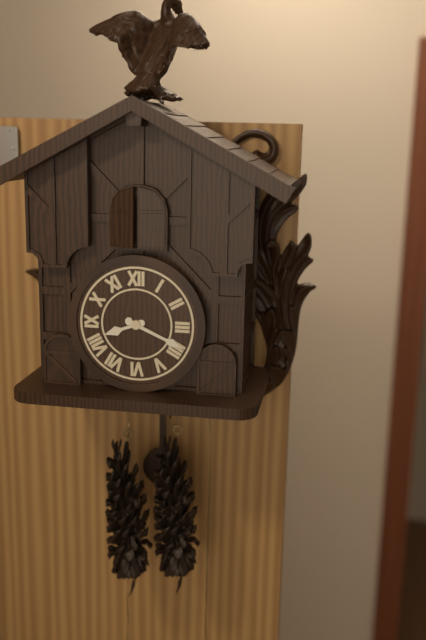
8 h 19 min
